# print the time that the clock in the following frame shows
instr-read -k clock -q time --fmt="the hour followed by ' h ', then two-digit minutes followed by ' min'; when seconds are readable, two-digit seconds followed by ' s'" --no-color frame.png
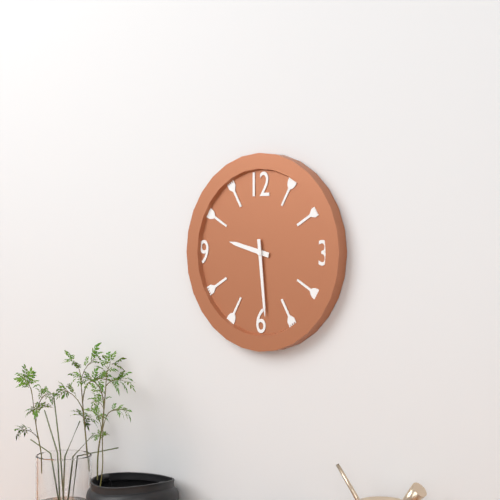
9 h 29 min
